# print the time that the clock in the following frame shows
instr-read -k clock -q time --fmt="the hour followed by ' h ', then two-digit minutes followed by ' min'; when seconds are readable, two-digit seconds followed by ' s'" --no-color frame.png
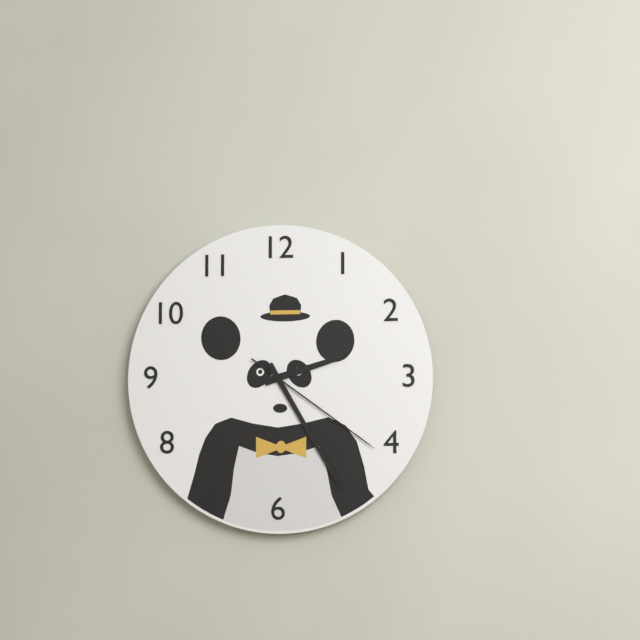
2 h 25 min 21 s
